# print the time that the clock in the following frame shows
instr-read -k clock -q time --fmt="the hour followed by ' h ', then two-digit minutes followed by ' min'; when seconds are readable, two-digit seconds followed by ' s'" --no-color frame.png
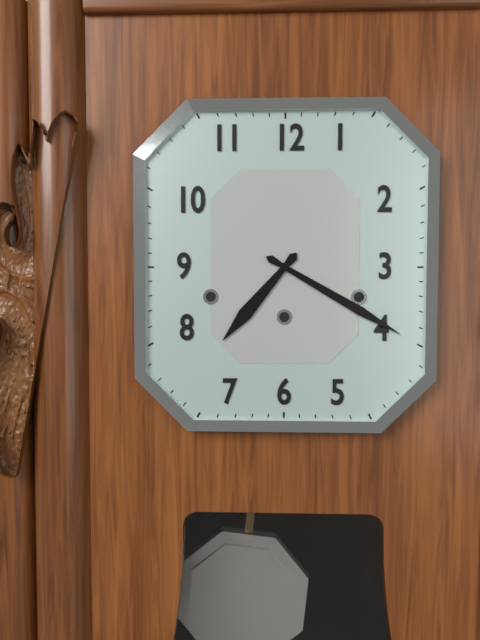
7 h 20 min
